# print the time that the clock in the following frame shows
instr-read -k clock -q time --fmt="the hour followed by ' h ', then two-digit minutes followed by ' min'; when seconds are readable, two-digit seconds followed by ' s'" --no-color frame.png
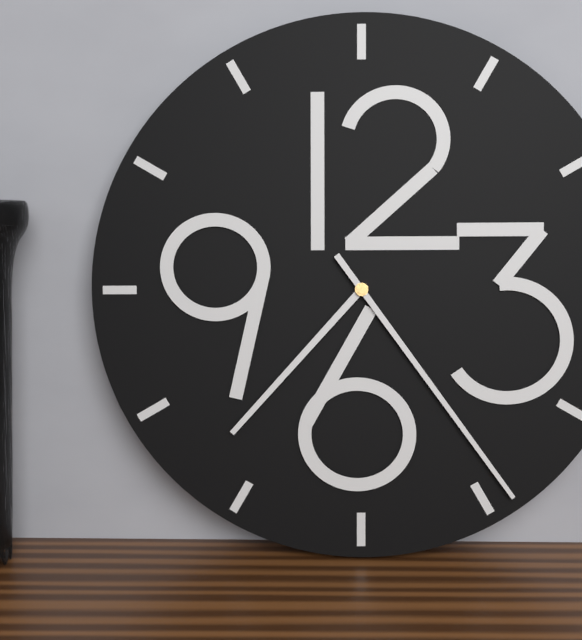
7 h 24 min
